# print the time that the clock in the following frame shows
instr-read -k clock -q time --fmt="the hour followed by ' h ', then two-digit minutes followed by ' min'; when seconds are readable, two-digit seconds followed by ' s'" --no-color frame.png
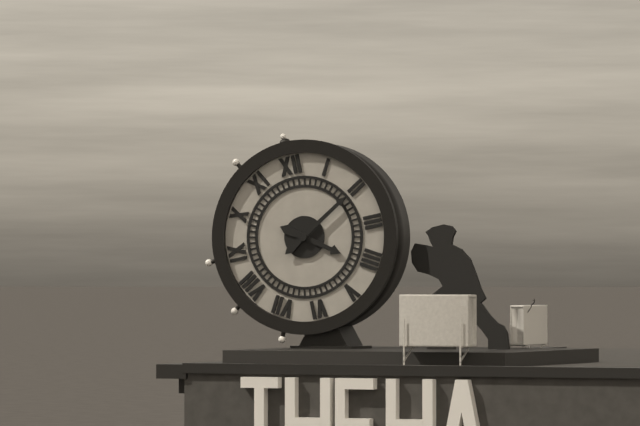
4 h 10 min
